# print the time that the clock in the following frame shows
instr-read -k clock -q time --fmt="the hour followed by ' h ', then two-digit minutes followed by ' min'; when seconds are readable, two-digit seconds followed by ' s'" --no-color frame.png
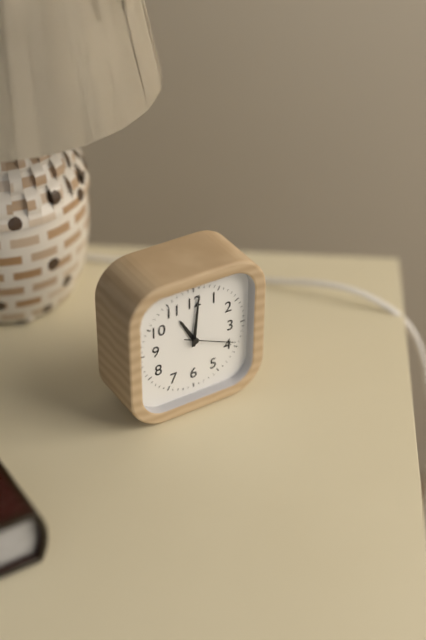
11 h 01 min 19 s
